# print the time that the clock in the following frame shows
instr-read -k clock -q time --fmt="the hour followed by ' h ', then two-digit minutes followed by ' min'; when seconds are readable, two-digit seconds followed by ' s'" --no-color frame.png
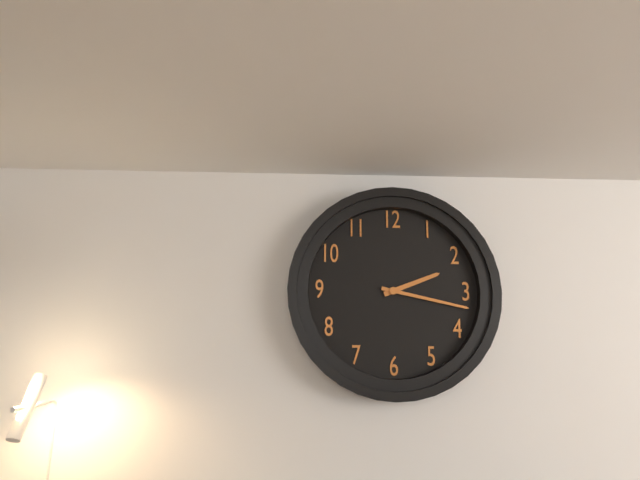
2 h 17 min
